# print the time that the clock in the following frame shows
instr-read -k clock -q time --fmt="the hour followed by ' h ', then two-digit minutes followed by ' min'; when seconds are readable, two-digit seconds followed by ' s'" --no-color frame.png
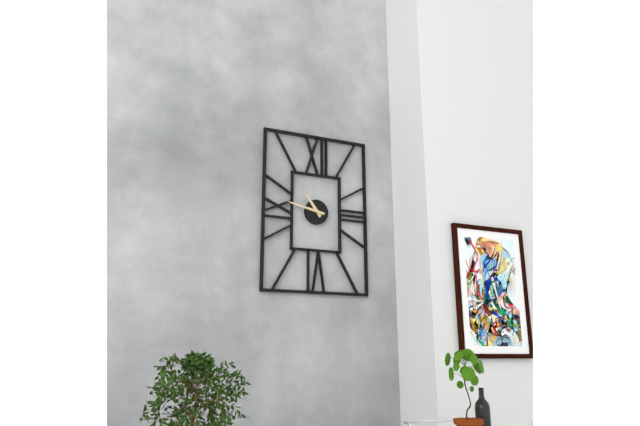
10 h 47 min
